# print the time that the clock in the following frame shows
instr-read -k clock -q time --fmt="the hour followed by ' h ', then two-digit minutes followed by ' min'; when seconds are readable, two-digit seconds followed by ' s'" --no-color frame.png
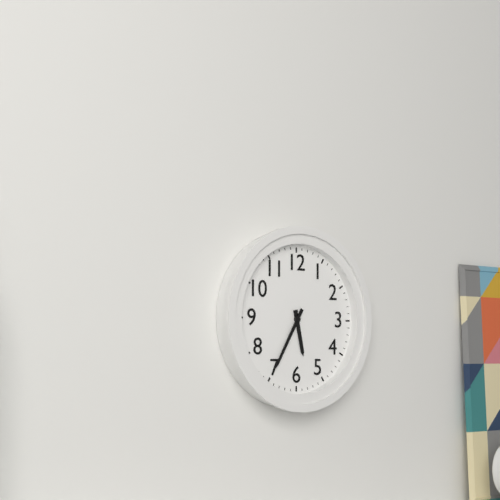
5 h 35 min
